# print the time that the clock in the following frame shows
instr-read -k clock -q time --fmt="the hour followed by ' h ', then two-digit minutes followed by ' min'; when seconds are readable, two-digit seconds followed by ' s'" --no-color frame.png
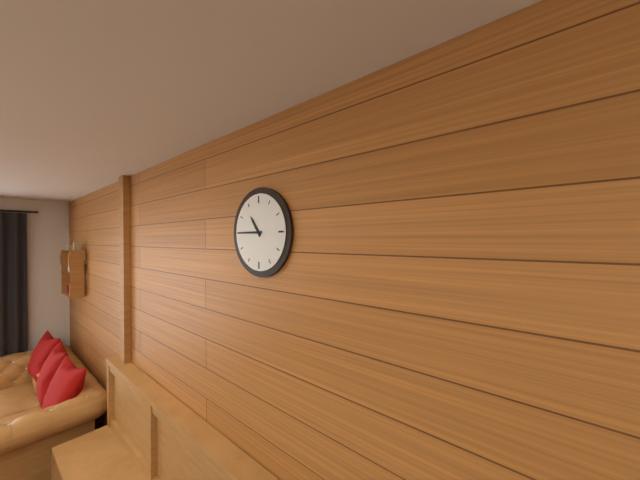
10 h 45 min
